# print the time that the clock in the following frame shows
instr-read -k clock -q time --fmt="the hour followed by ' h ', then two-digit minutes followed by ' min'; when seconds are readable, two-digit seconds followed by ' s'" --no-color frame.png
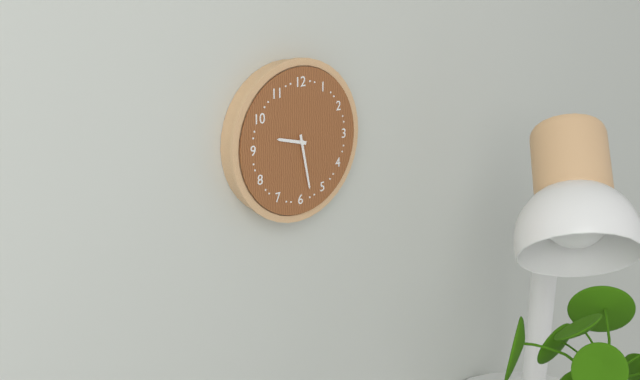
9 h 28 min
